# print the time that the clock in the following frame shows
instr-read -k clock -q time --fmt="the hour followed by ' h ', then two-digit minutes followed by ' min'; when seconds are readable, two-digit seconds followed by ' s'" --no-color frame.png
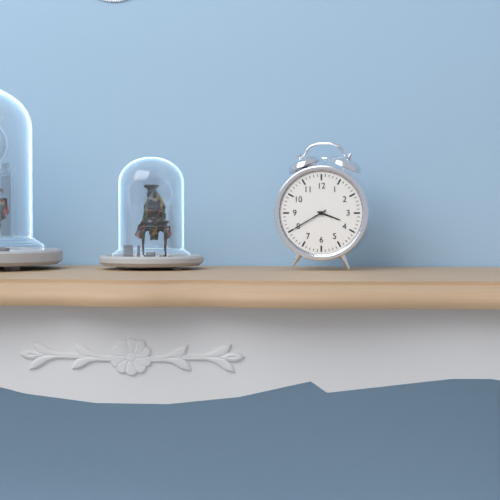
3 h 40 min
